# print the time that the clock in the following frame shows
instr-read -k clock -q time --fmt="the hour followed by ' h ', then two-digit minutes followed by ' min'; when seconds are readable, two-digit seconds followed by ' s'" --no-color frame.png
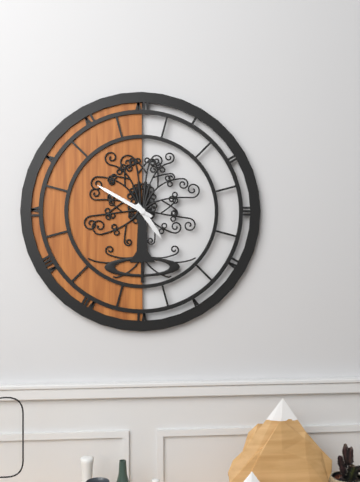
4 h 50 min
